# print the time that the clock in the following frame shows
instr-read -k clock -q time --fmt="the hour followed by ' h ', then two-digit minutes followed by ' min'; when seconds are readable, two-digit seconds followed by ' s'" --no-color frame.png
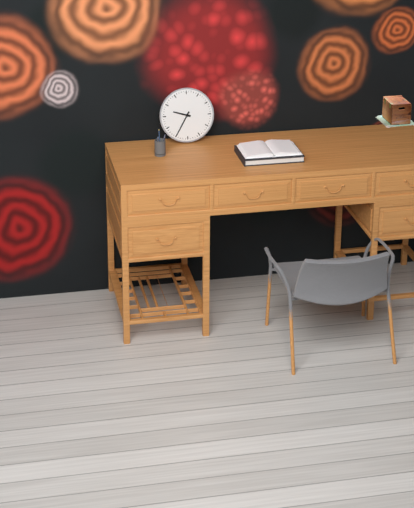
9 h 35 min
